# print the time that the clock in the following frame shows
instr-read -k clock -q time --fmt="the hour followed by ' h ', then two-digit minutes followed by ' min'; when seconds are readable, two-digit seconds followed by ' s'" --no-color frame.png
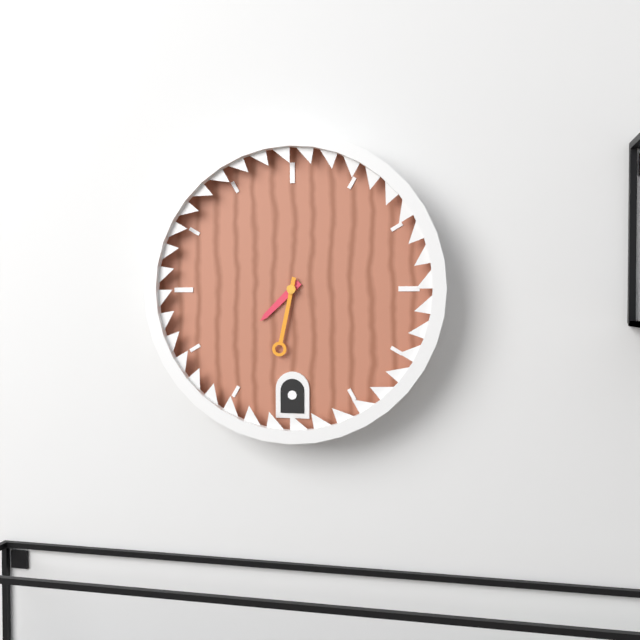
7 h 32 min
